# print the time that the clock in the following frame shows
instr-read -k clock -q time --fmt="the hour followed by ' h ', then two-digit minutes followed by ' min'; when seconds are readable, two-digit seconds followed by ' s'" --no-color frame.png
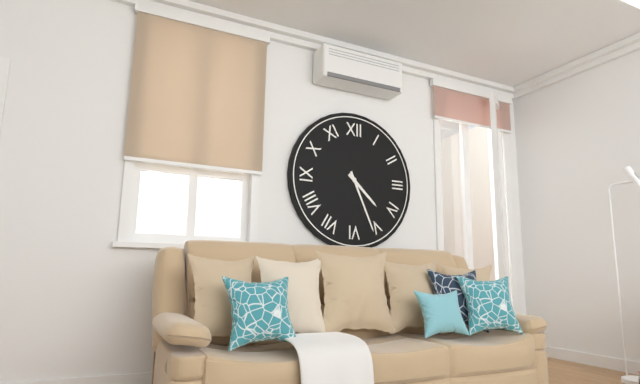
4 h 26 min
